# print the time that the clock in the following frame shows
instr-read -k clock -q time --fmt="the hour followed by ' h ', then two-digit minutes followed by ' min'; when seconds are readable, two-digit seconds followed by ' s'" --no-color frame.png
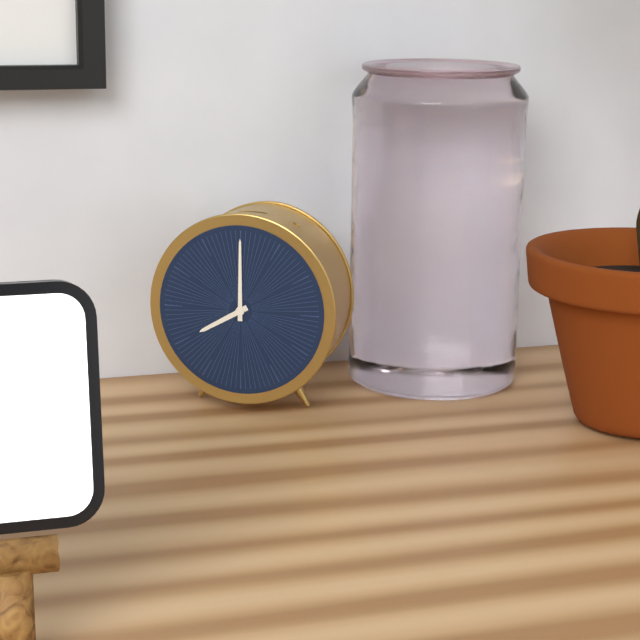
8 h 00 min
